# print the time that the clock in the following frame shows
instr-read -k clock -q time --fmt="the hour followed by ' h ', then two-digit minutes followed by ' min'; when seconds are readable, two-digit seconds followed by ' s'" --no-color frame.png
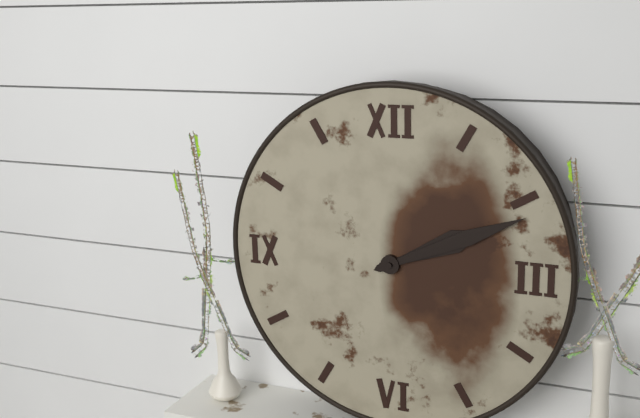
2 h 11 min
